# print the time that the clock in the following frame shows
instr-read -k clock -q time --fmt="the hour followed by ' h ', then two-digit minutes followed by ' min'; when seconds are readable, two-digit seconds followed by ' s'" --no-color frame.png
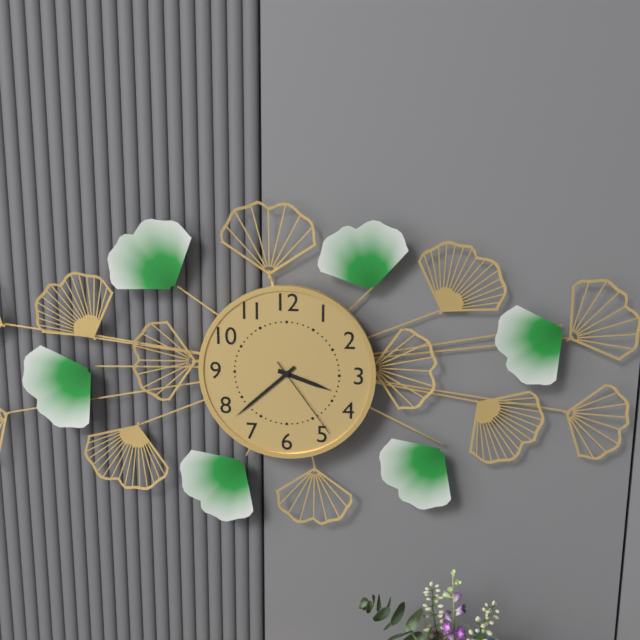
3 h 38 min 24 s
